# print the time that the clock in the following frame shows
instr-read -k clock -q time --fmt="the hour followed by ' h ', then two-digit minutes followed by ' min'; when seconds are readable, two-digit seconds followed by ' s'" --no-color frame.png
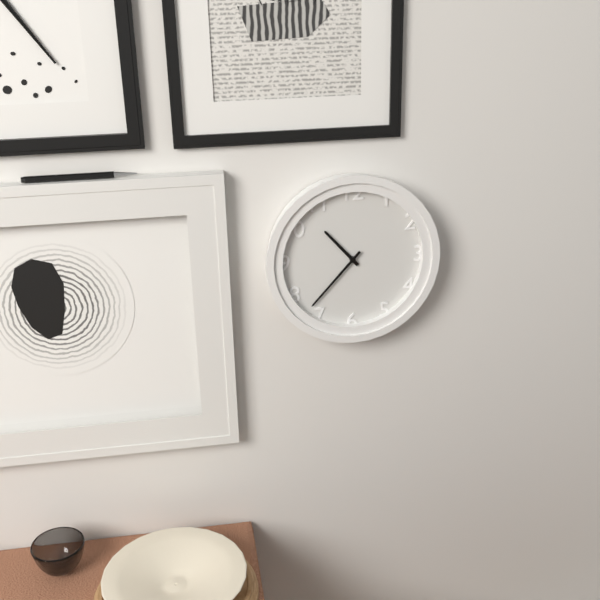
10 h 37 min
